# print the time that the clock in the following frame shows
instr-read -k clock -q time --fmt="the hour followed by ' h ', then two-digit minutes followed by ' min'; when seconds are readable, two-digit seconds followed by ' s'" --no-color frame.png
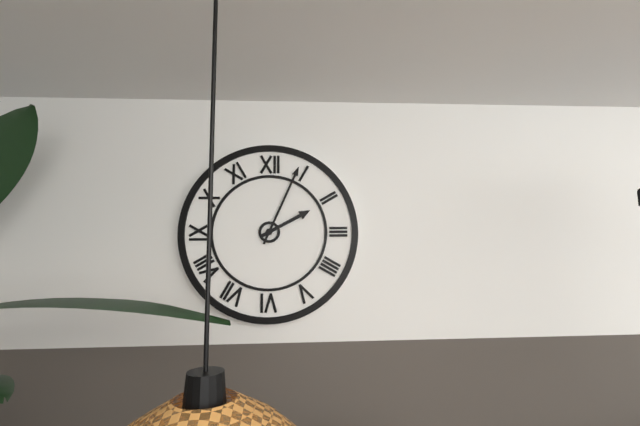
2 h 04 min
